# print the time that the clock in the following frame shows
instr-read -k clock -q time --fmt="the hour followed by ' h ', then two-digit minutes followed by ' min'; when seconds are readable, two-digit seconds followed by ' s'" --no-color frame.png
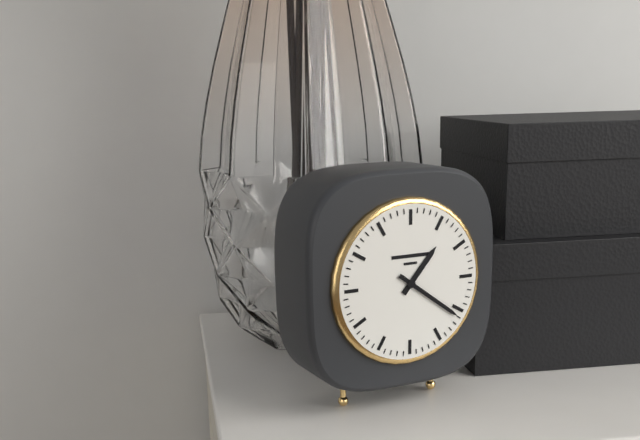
1 h 21 min
